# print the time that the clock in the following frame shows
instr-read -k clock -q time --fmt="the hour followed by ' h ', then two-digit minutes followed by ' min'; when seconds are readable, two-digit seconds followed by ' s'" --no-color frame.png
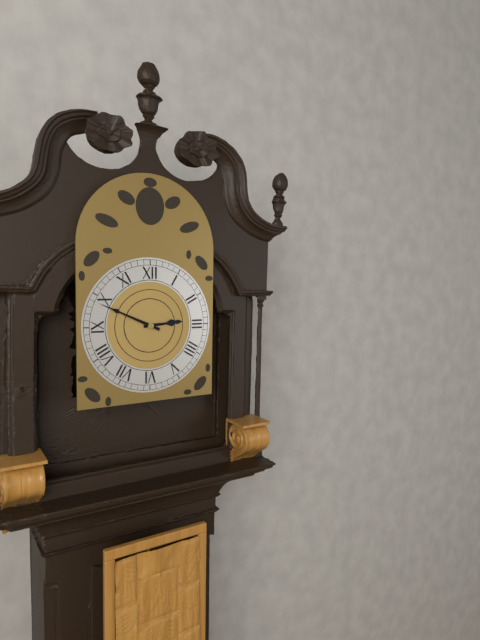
2 h 49 min
